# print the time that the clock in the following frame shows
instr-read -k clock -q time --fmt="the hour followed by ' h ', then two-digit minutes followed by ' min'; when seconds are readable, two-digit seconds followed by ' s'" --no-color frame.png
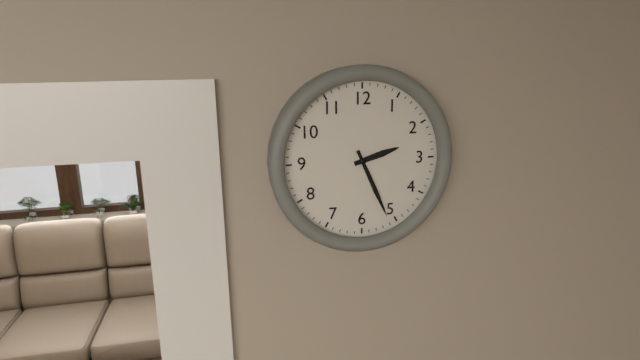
2 h 26 min
